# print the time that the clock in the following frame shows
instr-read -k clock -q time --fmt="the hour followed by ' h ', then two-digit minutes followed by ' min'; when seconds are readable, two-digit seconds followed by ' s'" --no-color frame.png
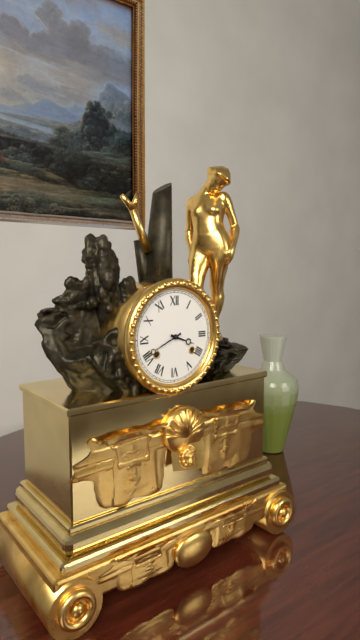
3 h 41 min
